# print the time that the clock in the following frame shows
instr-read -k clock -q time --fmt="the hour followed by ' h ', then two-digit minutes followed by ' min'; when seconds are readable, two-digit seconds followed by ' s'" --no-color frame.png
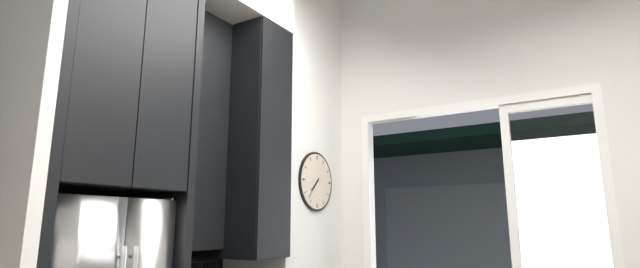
7 h 37 min
